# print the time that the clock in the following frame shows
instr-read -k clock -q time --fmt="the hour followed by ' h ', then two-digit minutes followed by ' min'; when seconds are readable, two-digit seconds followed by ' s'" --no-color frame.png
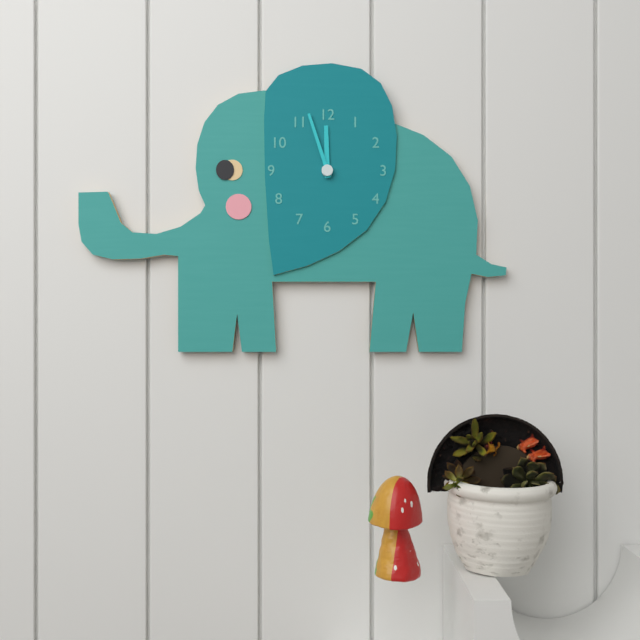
11 h 57 min
